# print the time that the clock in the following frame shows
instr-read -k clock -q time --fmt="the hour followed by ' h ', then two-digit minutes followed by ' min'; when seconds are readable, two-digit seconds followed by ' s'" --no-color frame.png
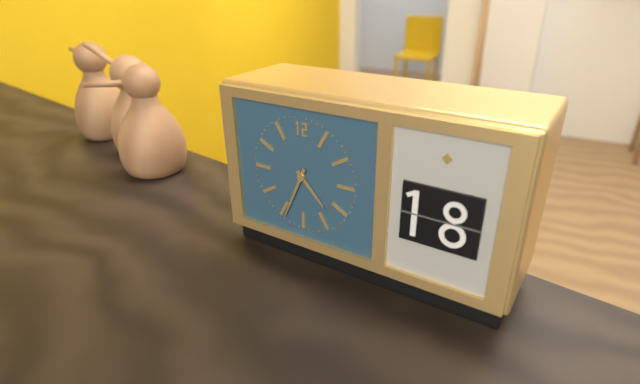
4 h 34 min
